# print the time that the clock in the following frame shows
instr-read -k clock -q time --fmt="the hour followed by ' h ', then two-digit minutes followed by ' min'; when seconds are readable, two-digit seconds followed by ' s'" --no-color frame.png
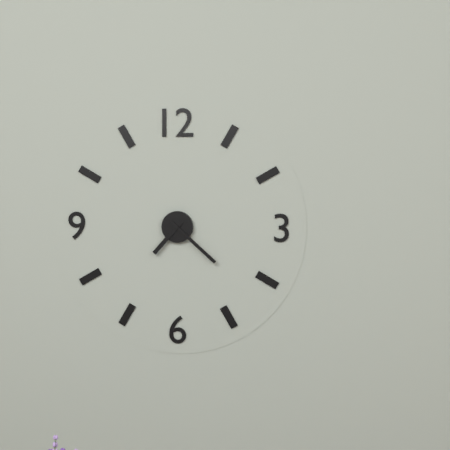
7 h 22 min
